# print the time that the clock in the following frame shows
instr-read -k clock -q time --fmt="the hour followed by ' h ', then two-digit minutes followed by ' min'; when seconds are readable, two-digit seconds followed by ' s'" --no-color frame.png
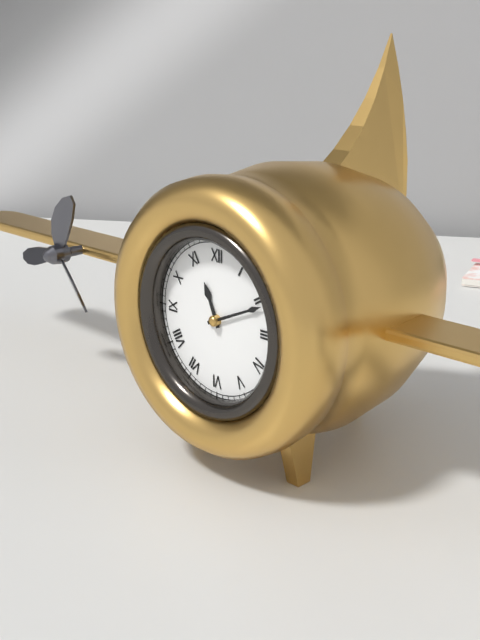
11 h 11 min
